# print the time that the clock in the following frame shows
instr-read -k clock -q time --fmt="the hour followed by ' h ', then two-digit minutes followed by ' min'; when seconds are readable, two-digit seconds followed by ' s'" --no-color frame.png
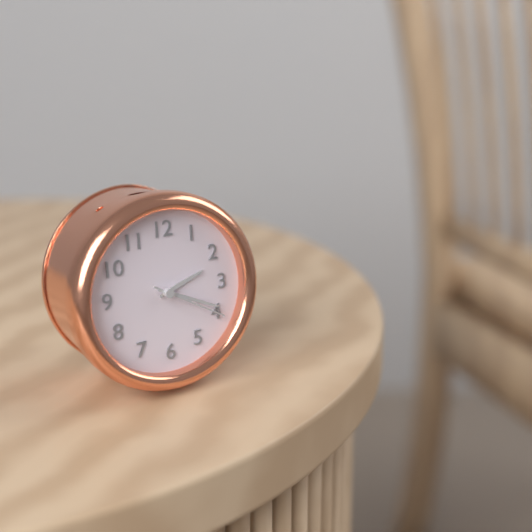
2 h 19 min 20 s
